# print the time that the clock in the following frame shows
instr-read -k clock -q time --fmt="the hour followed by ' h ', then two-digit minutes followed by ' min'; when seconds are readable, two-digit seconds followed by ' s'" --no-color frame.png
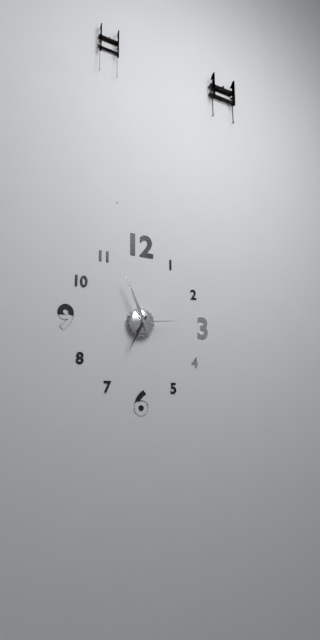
6 h 56 min
